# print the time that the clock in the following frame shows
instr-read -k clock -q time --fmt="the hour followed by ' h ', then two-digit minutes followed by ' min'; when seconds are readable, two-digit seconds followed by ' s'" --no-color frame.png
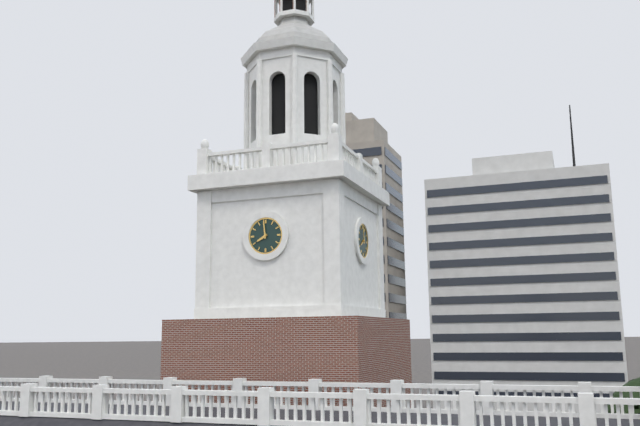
7 h 59 min
